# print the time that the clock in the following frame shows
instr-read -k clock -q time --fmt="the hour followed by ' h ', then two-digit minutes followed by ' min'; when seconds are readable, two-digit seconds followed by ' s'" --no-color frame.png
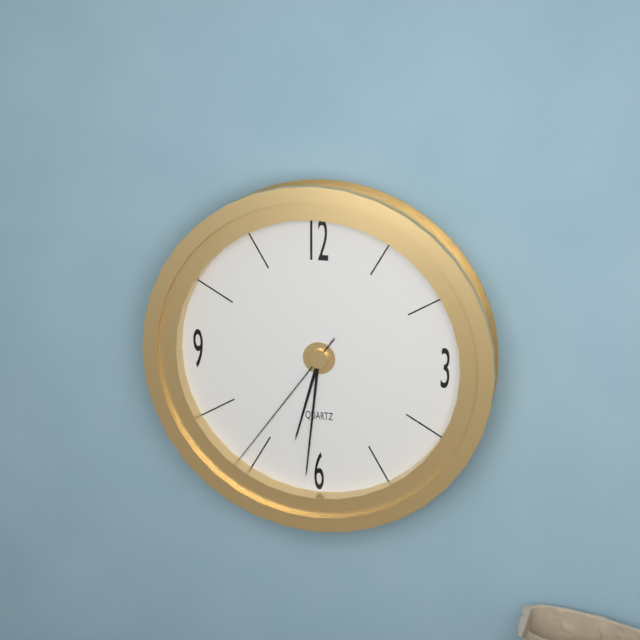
6 h 31 min 36 s
